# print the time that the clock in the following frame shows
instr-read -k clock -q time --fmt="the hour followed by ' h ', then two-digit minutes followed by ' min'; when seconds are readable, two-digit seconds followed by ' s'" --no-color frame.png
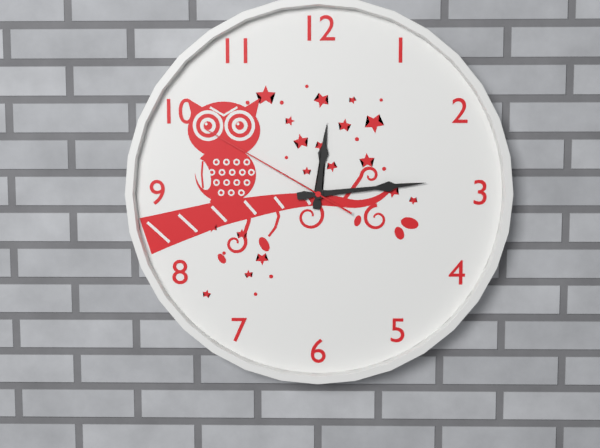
12 h 14 min 50 s
